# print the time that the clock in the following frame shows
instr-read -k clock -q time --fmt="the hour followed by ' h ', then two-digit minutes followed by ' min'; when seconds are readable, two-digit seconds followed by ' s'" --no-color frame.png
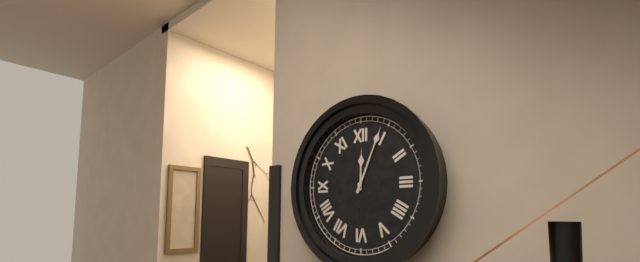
12 h 04 min
